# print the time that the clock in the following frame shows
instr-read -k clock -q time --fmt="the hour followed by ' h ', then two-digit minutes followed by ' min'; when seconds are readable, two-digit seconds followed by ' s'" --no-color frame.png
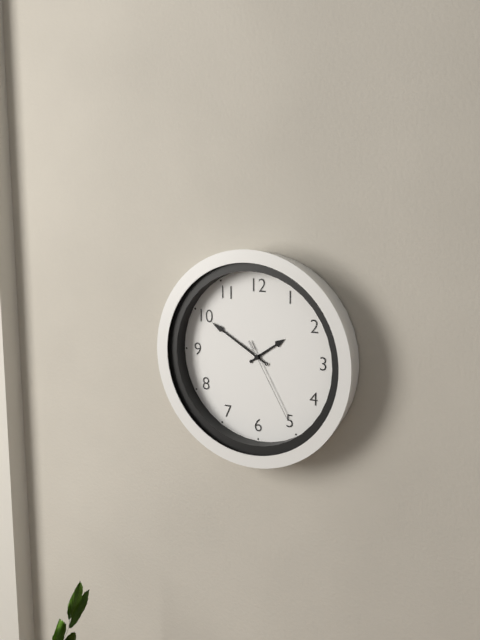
1 h 50 min 25 s
